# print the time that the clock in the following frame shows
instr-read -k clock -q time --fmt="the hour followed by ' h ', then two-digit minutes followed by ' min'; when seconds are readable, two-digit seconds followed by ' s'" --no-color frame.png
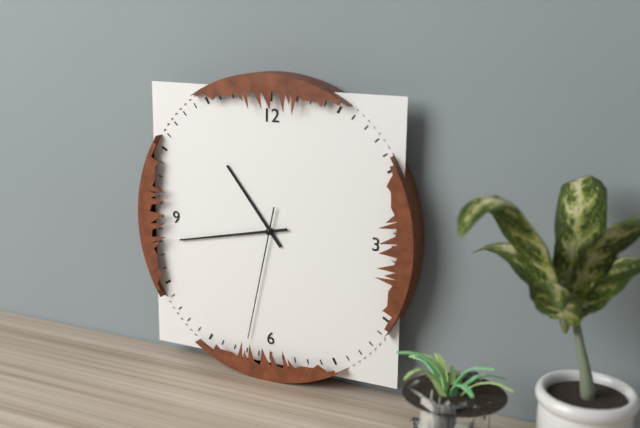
10 h 43 min 32 s
